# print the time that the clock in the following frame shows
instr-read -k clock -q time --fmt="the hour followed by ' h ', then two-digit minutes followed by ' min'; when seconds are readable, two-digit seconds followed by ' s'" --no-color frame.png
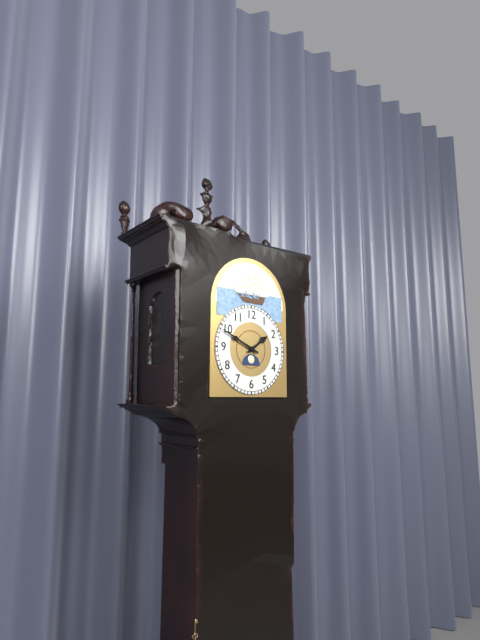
1 h 49 min
